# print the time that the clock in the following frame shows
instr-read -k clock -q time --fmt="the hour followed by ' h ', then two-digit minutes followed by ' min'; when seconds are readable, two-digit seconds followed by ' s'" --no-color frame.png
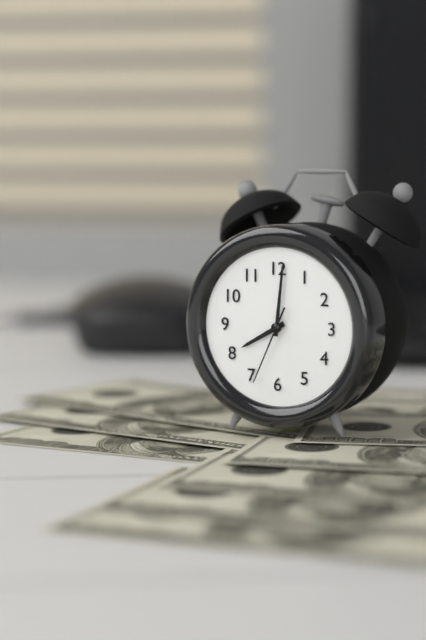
8 h 01 min 34 s
